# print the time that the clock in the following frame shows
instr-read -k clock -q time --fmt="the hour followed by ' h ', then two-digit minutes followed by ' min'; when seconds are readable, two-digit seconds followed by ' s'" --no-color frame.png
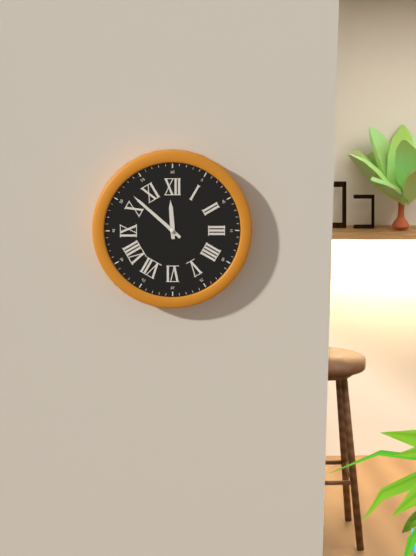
11 h 52 min
